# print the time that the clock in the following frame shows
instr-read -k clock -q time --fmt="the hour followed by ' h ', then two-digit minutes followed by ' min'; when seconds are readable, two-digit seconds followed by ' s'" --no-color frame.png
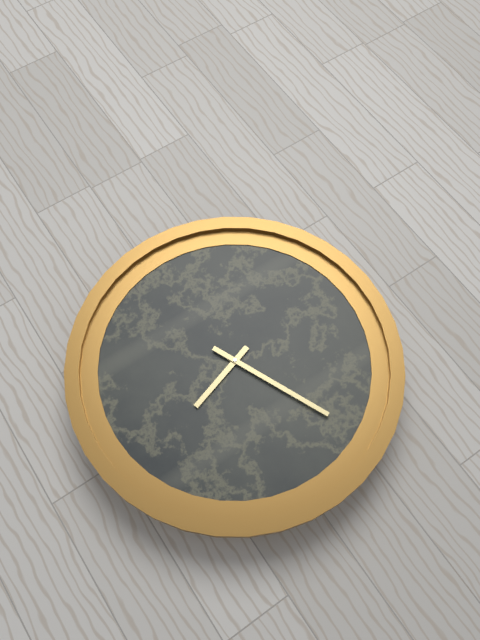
8 h 26 min
